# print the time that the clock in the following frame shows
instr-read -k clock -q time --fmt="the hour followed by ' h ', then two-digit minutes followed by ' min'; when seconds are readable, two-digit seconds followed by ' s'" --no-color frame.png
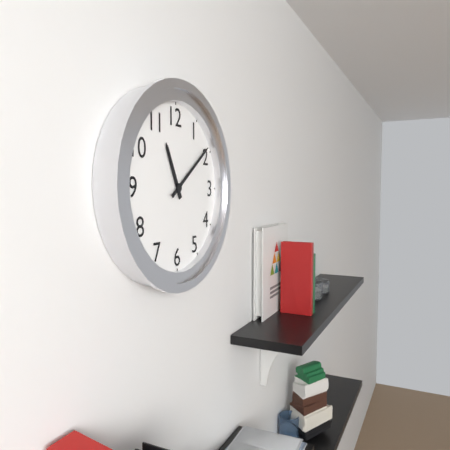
11 h 09 min
